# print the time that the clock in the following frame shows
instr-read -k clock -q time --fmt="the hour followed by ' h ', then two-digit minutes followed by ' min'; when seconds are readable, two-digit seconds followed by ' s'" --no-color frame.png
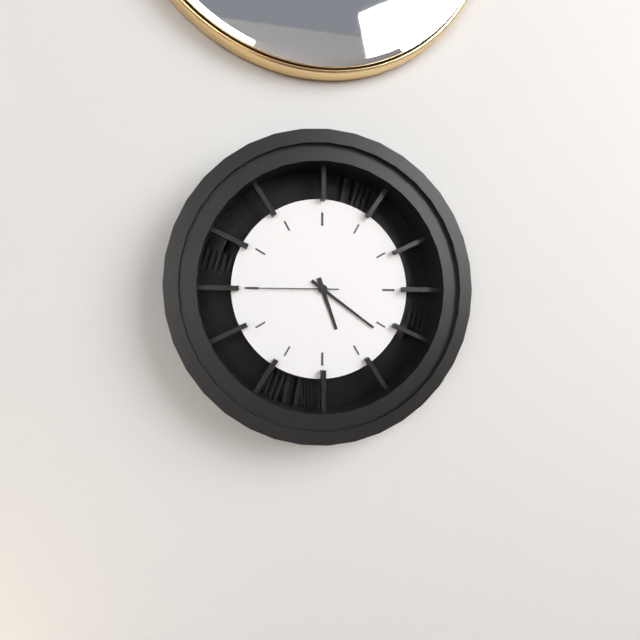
5 h 21 min 45 s
